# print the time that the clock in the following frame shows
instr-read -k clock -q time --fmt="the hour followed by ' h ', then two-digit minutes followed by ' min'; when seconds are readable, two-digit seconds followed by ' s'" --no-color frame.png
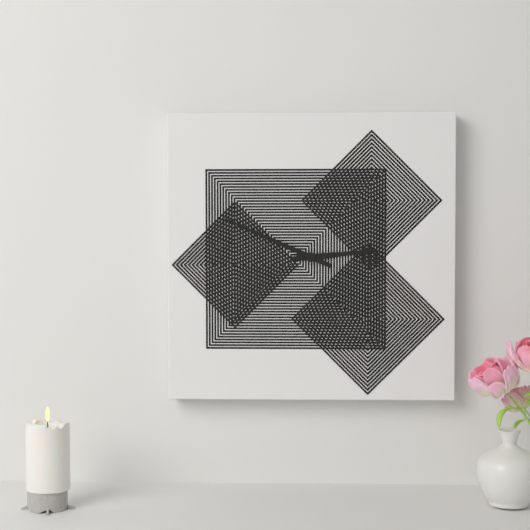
2 h 49 min
